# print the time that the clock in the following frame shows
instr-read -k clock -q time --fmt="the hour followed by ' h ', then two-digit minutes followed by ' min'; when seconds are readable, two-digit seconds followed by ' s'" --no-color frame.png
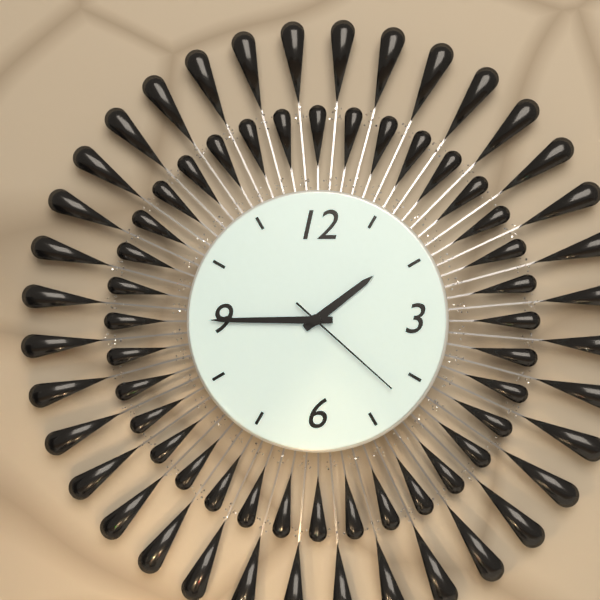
1 h 45 min 22 s
